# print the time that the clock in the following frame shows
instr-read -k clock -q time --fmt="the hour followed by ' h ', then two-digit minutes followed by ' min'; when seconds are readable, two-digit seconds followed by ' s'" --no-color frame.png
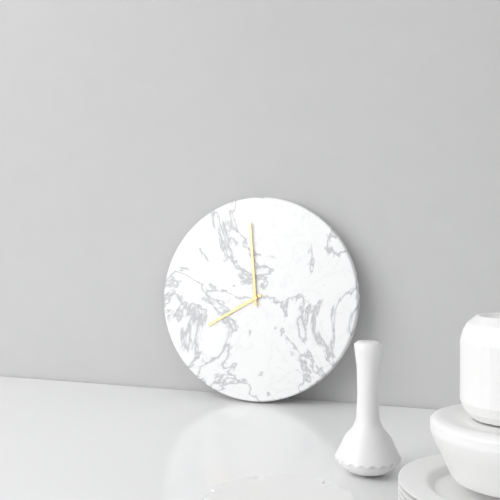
7 h 59 min
